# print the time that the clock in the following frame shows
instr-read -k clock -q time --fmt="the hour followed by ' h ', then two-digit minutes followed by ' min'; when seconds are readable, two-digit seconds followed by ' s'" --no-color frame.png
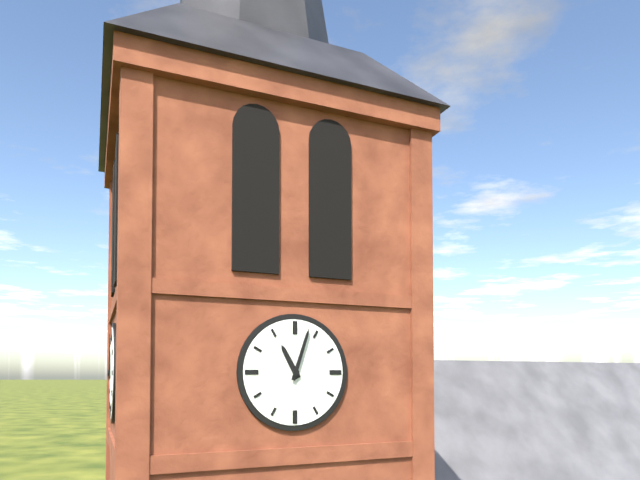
11 h 03 min
